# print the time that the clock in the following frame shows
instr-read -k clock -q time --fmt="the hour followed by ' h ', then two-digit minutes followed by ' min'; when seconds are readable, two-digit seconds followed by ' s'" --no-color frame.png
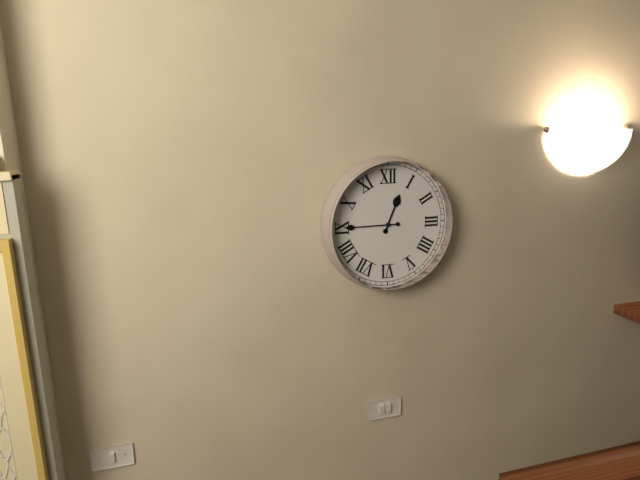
12 h 45 min
